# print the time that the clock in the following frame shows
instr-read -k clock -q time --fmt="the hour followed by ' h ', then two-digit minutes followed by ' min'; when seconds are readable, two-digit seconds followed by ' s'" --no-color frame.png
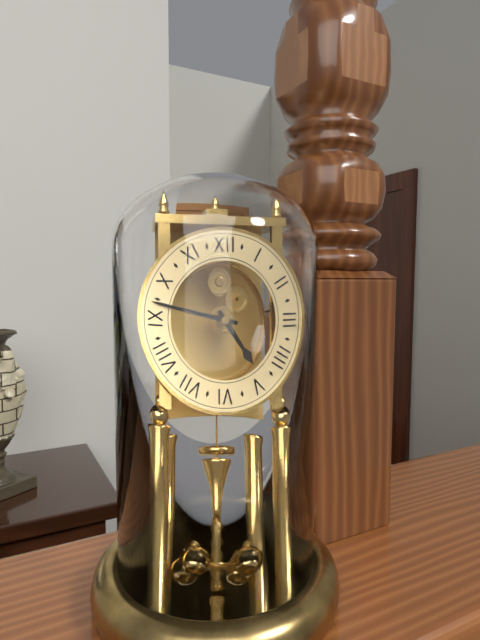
4 h 47 min
